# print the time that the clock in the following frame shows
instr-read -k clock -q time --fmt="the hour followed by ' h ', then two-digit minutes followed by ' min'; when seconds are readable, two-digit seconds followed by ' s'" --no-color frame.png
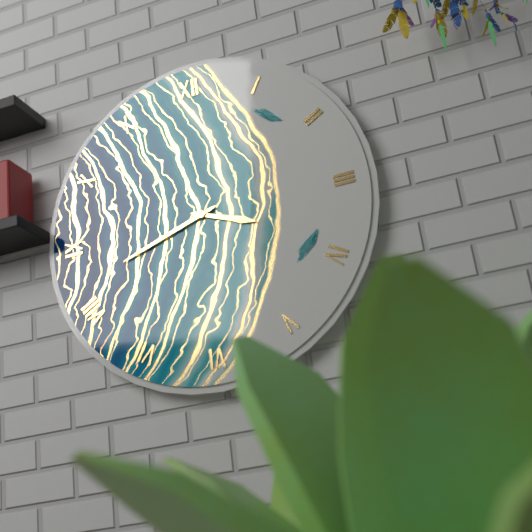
3 h 42 min
